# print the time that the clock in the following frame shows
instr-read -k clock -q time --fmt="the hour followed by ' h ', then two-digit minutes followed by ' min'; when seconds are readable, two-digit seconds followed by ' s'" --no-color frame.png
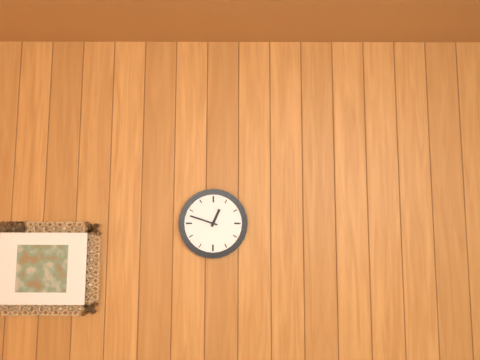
12 h 48 min
